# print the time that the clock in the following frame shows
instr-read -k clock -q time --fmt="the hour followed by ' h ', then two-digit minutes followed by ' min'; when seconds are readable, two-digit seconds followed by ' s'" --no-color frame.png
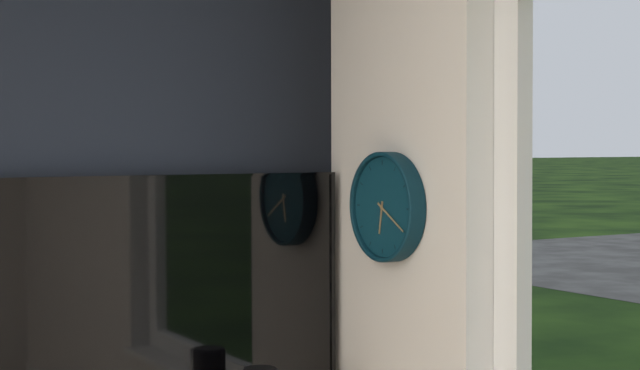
6 h 20 min
